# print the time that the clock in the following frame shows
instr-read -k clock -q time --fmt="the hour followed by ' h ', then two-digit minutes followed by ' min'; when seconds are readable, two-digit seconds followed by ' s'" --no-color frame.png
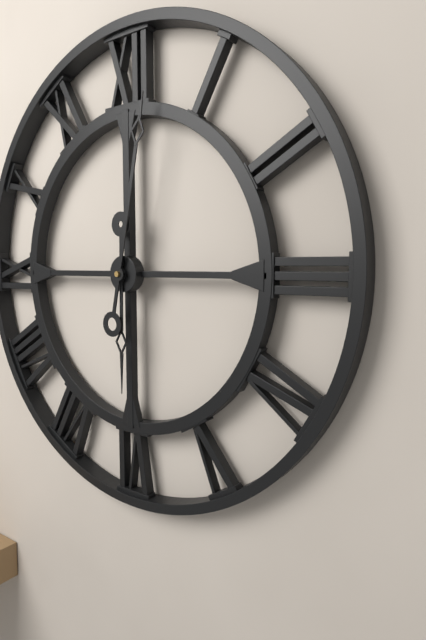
6 h 02 min
